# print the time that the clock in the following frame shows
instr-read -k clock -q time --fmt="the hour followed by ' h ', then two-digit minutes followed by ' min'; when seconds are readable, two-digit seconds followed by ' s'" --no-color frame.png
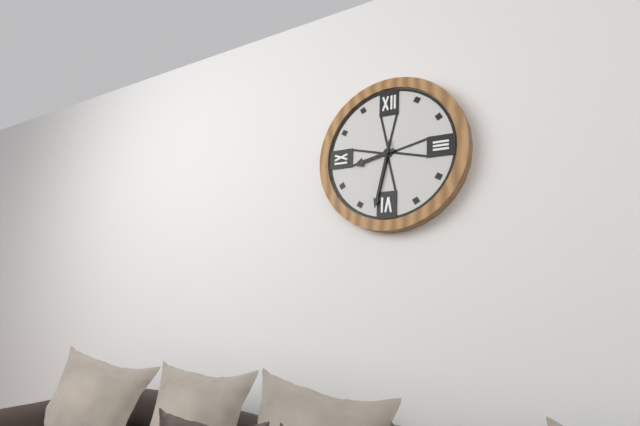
8 h 32 min
